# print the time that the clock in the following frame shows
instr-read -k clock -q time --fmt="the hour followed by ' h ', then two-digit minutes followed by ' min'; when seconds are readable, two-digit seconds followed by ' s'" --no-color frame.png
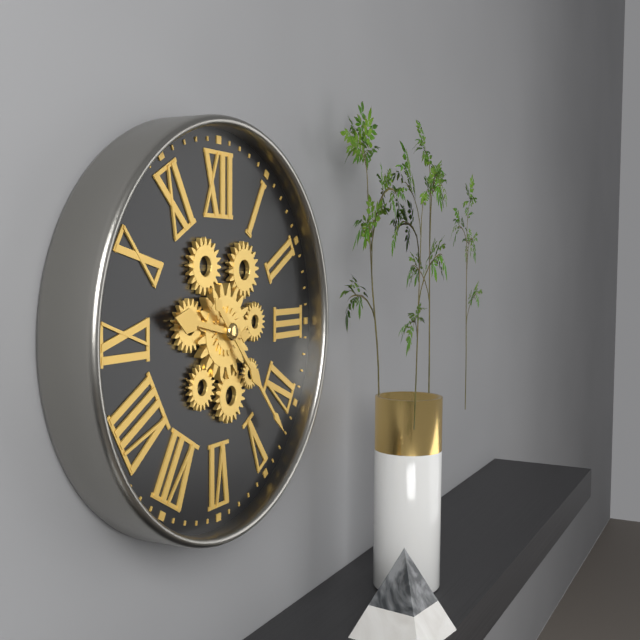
9 h 23 min
